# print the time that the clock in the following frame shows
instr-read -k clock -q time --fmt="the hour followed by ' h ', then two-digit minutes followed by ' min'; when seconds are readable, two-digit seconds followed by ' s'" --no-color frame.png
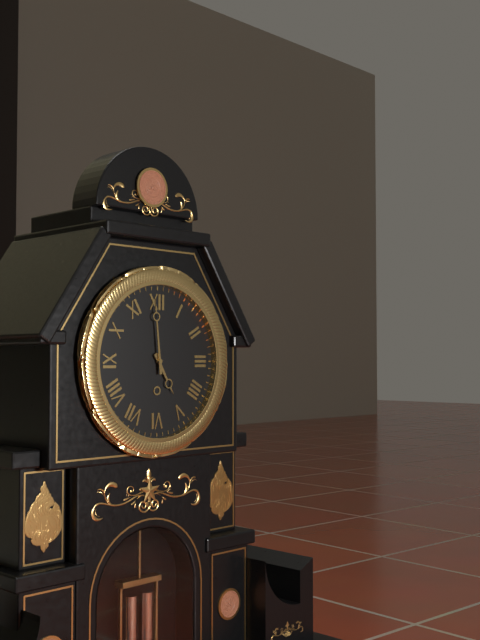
4 h 59 min
